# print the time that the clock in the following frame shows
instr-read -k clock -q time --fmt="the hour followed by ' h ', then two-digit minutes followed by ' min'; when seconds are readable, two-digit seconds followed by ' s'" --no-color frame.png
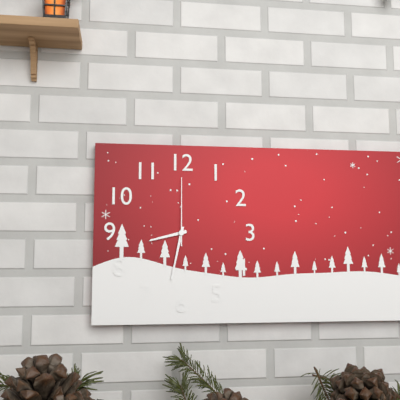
8 h 32 min 00 s
